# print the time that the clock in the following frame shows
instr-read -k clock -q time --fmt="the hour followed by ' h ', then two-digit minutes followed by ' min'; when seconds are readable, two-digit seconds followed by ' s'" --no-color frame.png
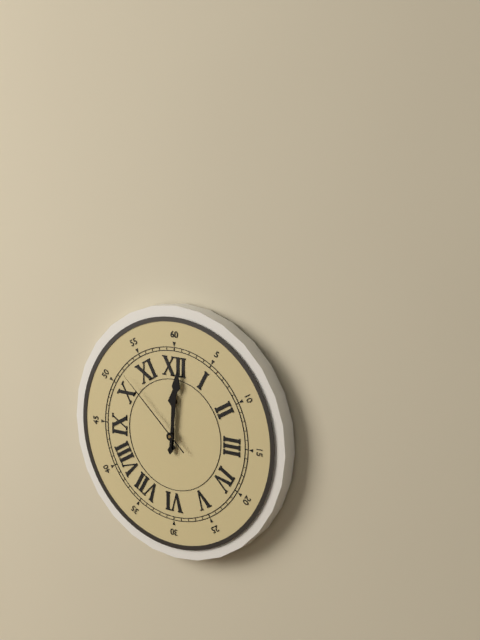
12 h 01 min 52 s
